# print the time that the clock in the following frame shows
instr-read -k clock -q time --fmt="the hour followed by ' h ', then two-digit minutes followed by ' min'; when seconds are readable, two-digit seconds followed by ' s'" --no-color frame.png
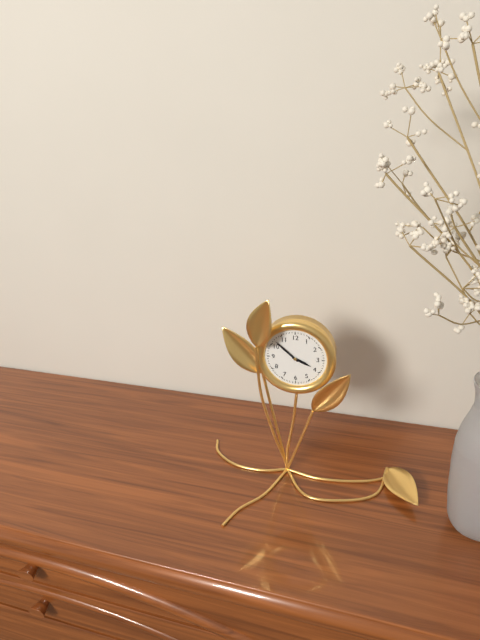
3 h 52 min
